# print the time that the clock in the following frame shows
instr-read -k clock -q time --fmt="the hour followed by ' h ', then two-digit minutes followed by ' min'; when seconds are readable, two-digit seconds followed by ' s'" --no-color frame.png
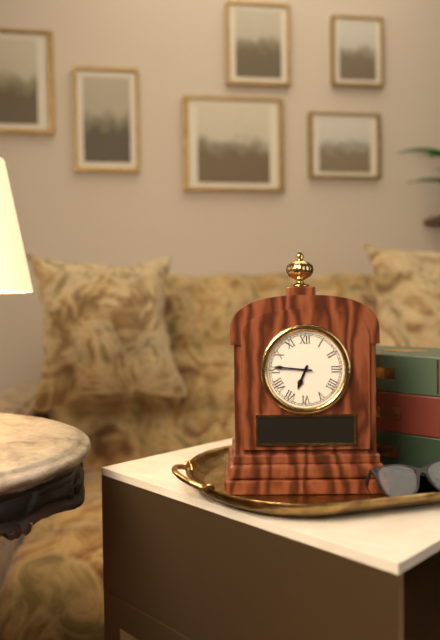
6 h 46 min
